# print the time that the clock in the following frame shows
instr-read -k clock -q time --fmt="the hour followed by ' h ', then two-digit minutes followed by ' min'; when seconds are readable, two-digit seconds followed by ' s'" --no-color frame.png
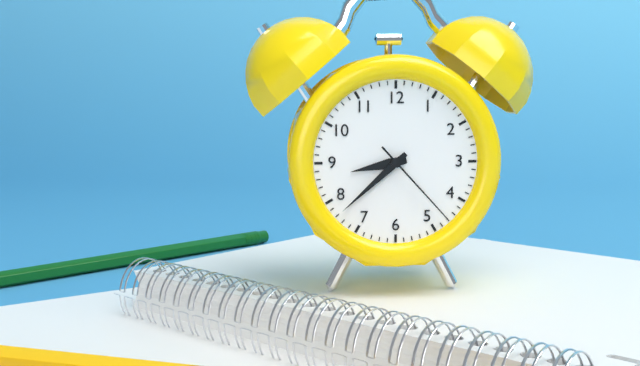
8 h 38 min 23 s
